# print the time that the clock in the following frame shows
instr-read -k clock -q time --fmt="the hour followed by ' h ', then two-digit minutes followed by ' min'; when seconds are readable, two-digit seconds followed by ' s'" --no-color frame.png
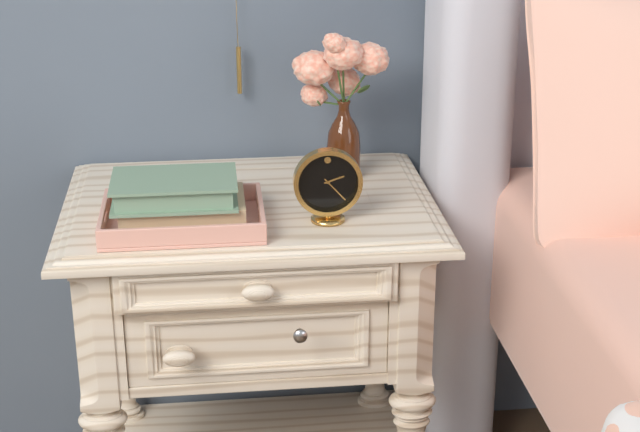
2 h 23 min
